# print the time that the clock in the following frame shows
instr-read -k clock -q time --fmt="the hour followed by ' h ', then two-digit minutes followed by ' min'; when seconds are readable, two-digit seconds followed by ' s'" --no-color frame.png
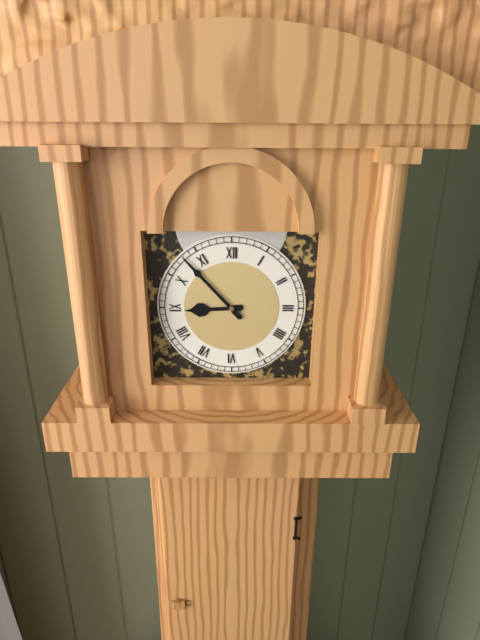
8 h 53 min
